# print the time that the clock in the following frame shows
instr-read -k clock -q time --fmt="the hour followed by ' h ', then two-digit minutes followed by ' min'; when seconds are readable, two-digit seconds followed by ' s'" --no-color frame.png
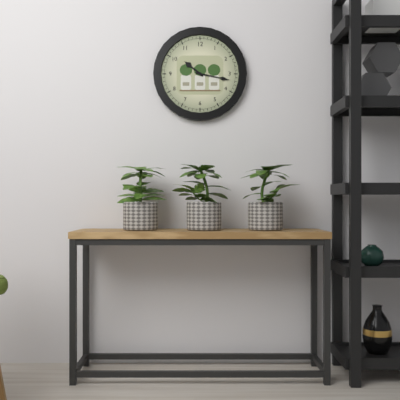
10 h 17 min
